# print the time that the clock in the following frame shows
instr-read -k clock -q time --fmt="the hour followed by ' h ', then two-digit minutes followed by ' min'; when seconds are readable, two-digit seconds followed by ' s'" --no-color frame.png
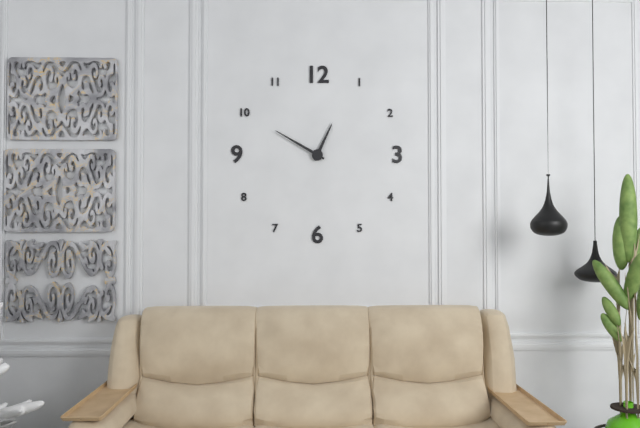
12 h 50 min
